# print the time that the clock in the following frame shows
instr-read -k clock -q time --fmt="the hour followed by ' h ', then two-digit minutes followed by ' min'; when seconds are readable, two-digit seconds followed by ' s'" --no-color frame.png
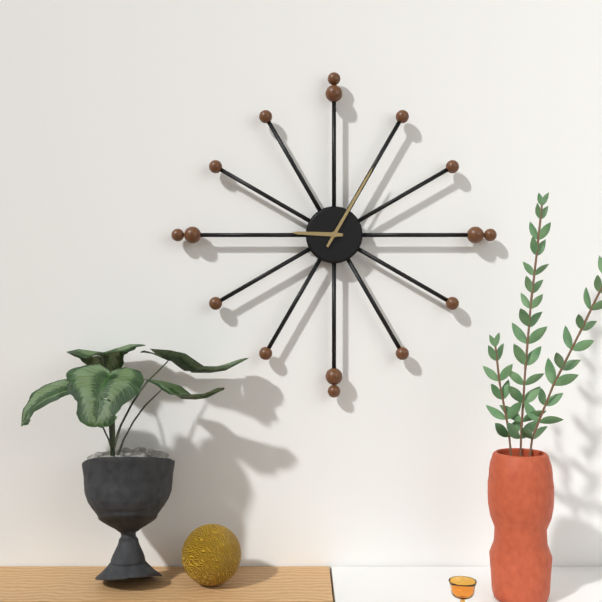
9 h 05 min
